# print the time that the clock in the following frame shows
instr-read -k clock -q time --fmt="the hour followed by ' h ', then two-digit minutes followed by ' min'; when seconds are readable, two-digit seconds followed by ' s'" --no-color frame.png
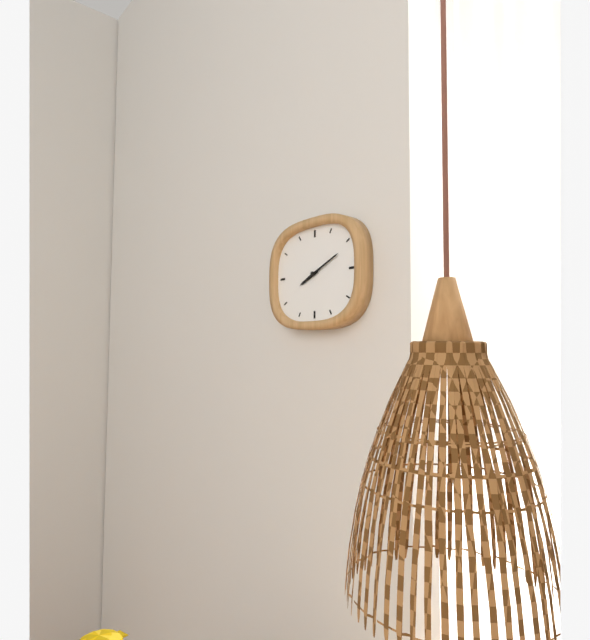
8 h 11 min
